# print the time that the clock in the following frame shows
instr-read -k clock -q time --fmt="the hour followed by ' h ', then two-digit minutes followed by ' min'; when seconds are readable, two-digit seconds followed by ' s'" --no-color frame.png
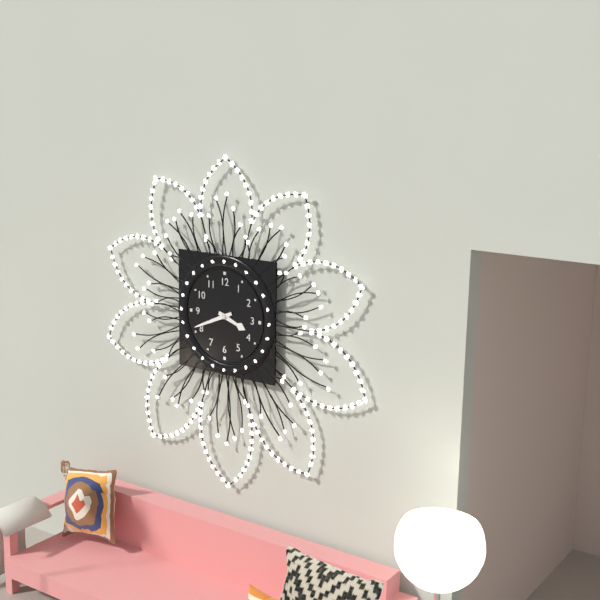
3 h 41 min
